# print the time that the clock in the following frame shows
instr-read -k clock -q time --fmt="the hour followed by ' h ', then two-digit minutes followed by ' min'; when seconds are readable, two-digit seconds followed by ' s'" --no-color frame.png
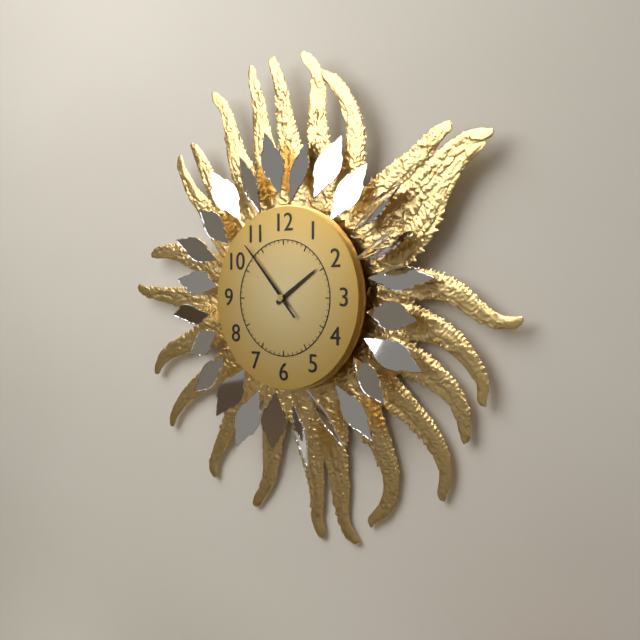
1 h 53 min 53 s
